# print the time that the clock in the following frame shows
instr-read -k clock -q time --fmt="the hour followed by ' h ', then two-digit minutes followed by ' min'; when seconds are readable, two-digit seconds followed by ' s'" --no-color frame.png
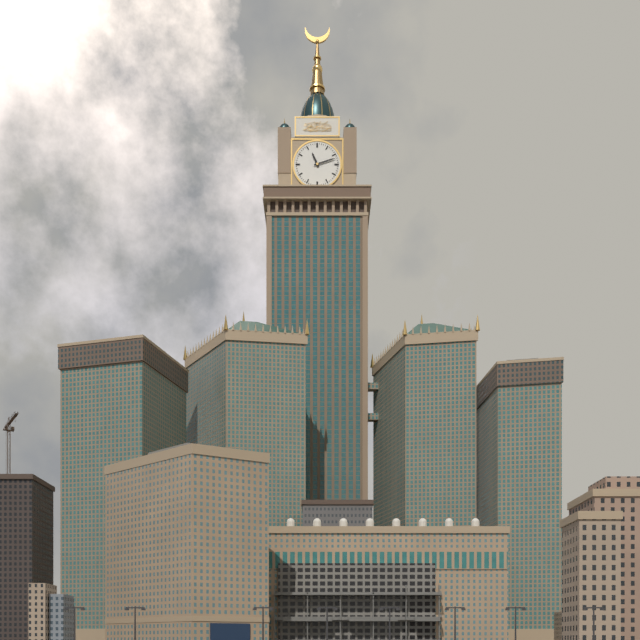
11 h 12 min
